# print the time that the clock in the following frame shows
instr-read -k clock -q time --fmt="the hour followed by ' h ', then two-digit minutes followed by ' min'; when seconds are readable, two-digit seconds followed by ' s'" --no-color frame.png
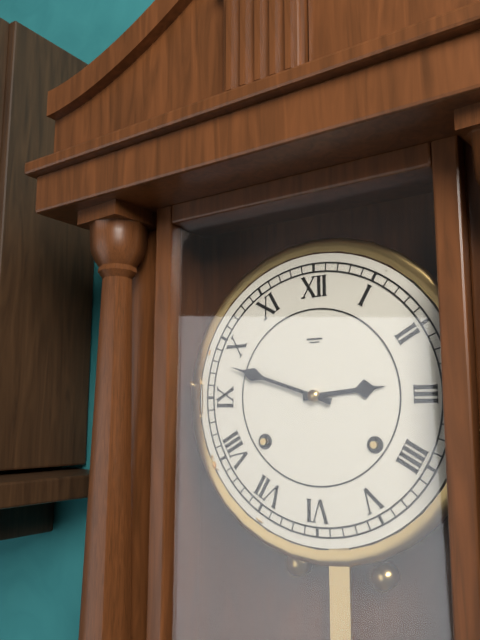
2 h 48 min
